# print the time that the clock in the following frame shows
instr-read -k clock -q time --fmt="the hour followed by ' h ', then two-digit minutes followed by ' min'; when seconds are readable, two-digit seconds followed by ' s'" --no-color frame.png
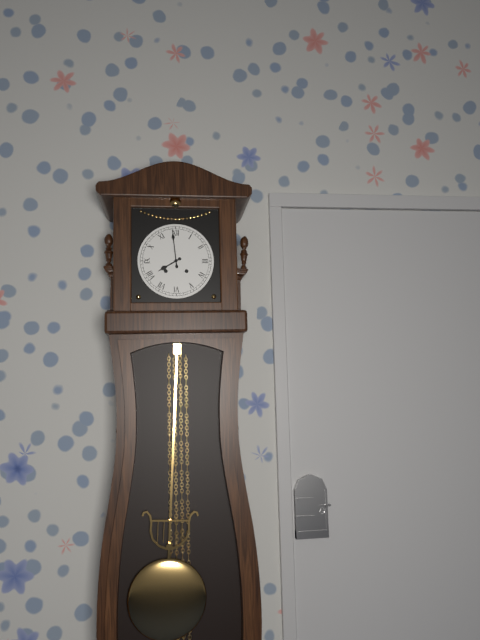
7 h 59 min
